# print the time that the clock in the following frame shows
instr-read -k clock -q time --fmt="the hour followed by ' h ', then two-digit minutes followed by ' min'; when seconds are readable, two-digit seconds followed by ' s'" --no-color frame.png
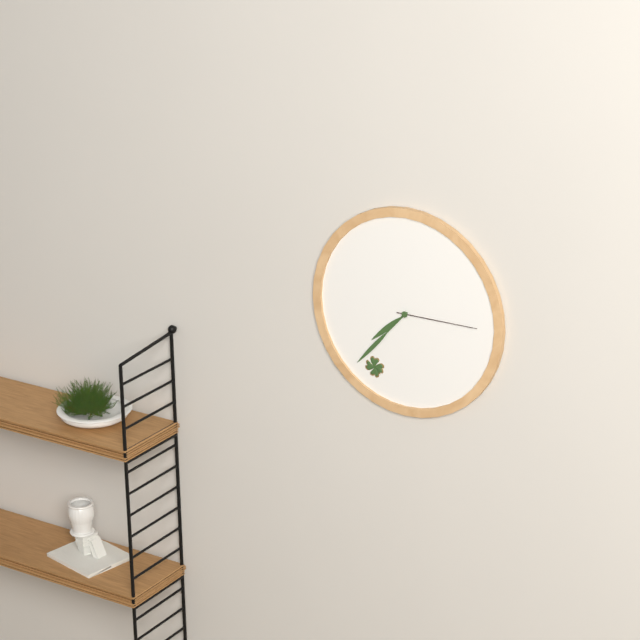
7 h 37 min 15 s
